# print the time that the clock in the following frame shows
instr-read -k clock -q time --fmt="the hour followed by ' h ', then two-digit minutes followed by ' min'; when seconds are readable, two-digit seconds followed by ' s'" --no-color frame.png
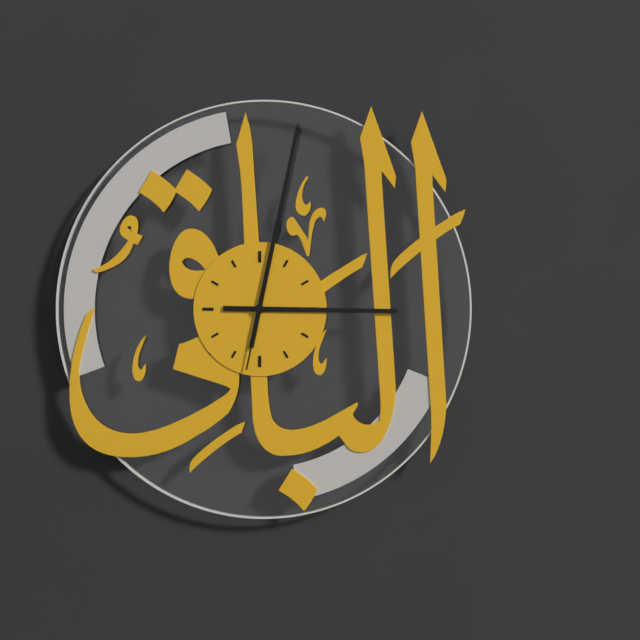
3 h 02 min 02 s
